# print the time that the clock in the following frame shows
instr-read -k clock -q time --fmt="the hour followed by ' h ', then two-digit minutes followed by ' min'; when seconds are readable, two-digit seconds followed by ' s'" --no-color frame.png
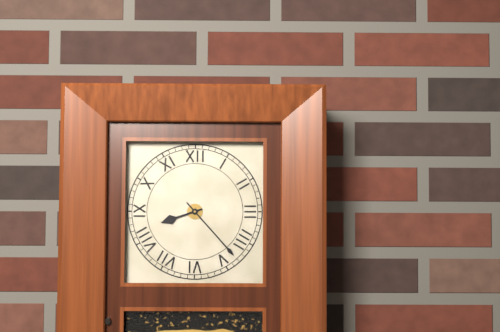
8 h 23 min
